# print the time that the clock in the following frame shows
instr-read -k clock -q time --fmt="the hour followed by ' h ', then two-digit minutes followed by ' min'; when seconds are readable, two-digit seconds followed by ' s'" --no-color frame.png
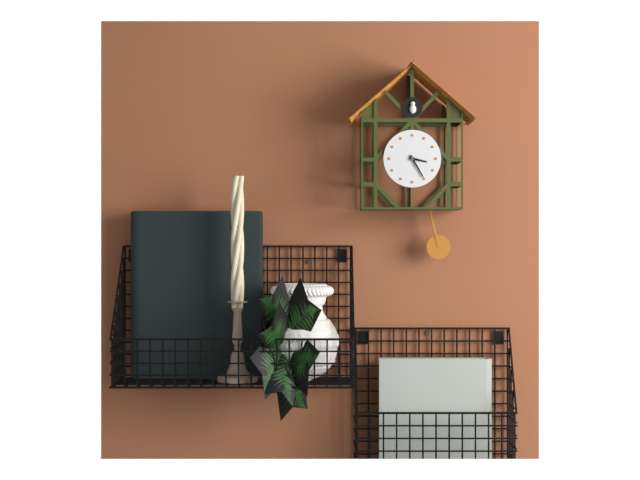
3 h 25 min
